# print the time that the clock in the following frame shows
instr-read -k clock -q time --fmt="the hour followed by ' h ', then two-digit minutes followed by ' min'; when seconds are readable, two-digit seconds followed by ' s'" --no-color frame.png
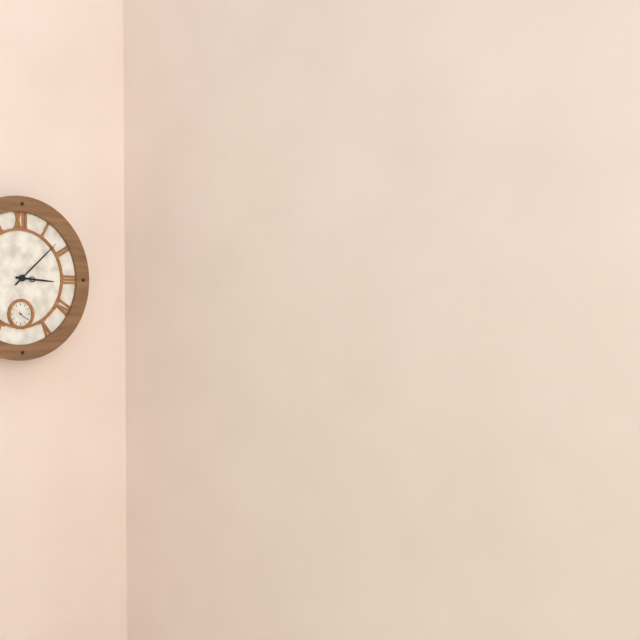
3 h 08 min
